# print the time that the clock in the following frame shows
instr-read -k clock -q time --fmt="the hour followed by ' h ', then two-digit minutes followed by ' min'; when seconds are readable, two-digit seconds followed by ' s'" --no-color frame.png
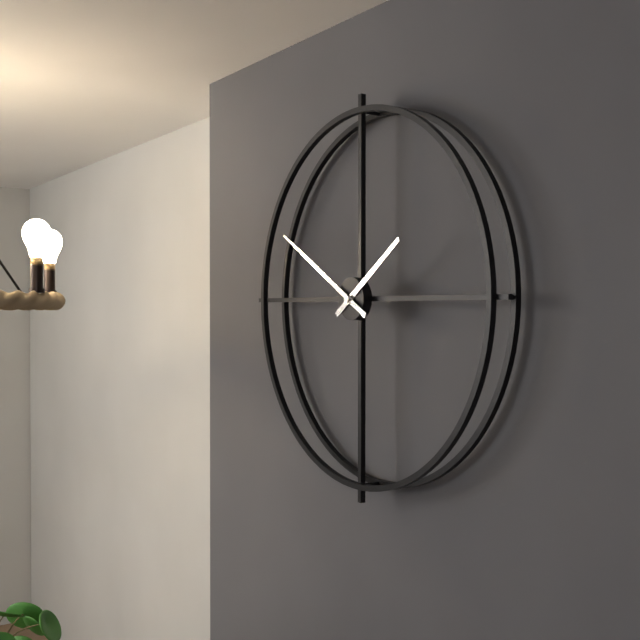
1 h 50 min
